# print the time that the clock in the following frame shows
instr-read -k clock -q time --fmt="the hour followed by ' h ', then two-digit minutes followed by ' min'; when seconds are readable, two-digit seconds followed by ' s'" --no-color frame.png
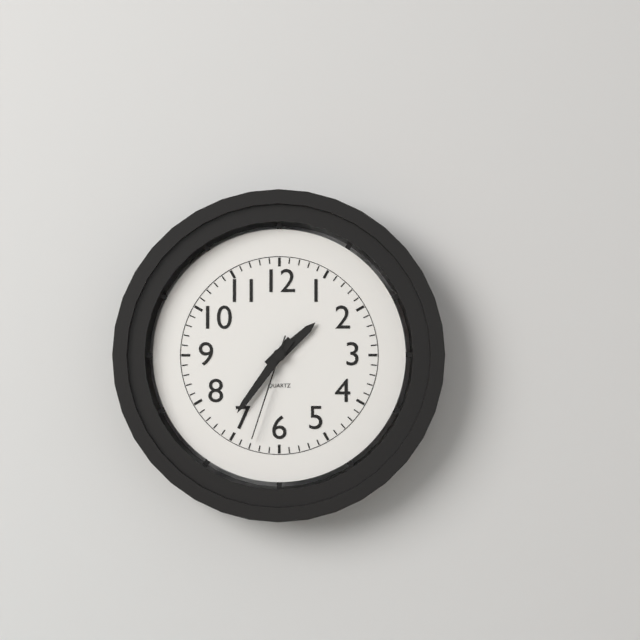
1 h 36 min 33 s
